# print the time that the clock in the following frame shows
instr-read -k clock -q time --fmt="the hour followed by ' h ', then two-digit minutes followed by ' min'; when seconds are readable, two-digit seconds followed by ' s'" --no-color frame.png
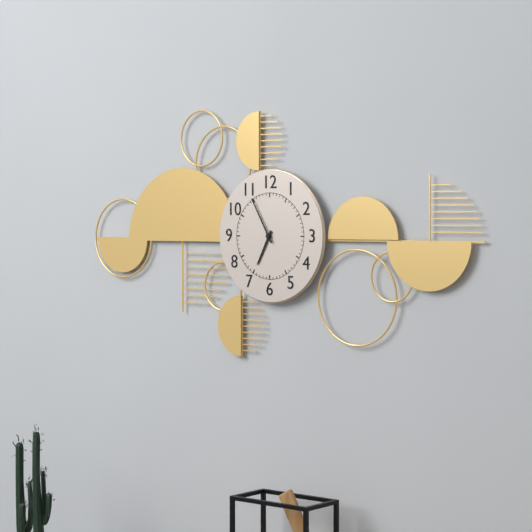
6 h 55 min
